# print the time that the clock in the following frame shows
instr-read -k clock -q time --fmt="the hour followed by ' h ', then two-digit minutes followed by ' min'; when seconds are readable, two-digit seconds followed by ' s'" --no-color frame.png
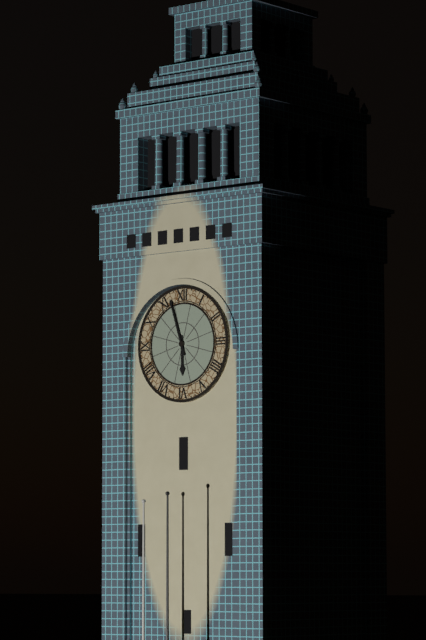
5 h 57 min
